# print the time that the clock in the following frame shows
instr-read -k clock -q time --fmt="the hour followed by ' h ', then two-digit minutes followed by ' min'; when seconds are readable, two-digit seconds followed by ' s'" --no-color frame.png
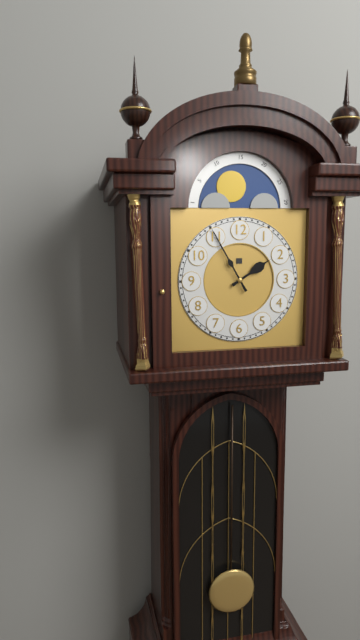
1 h 55 min
